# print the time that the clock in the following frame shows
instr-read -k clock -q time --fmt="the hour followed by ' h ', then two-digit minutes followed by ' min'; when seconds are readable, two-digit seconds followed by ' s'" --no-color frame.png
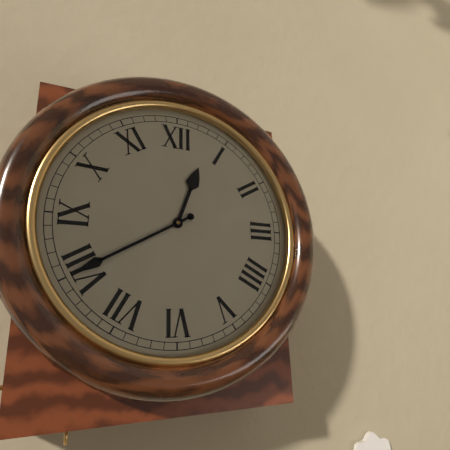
12 h 40 min
